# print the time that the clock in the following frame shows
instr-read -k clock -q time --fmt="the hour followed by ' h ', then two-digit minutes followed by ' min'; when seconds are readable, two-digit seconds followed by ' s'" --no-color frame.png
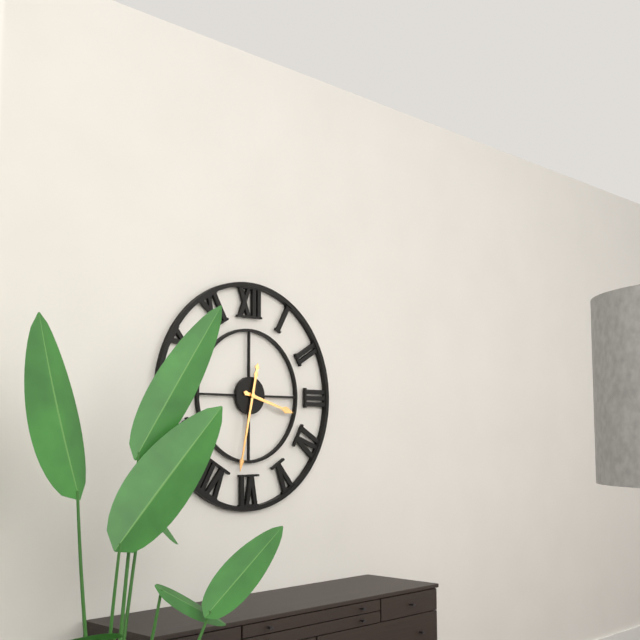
3 h 32 min
